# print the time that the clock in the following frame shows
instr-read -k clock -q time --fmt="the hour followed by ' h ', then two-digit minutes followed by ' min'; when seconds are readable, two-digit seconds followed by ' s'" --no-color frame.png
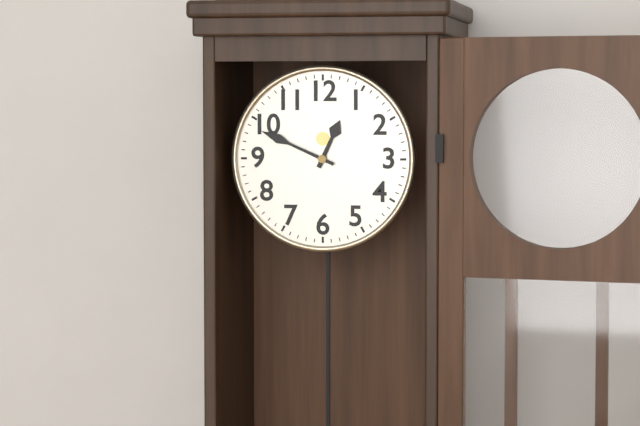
12 h 49 min
